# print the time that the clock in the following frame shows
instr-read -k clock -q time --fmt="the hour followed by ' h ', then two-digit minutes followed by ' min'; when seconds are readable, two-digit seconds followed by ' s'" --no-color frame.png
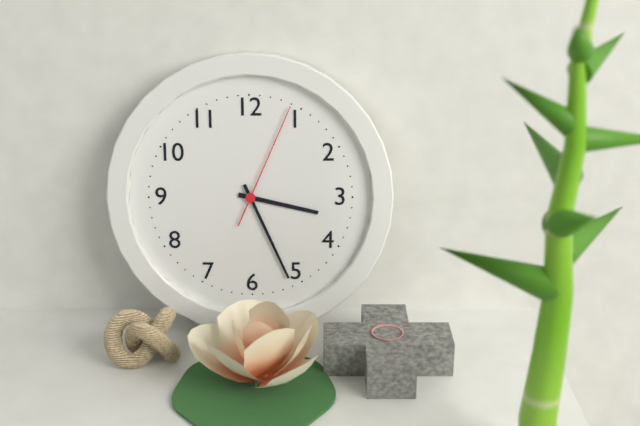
3 h 26 min 04 s
